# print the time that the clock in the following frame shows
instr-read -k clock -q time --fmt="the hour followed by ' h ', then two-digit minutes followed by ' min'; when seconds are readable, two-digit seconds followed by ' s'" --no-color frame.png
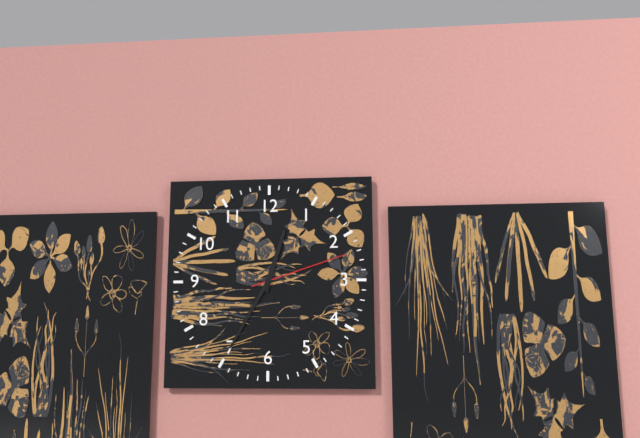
12 h 35 min 12 s
